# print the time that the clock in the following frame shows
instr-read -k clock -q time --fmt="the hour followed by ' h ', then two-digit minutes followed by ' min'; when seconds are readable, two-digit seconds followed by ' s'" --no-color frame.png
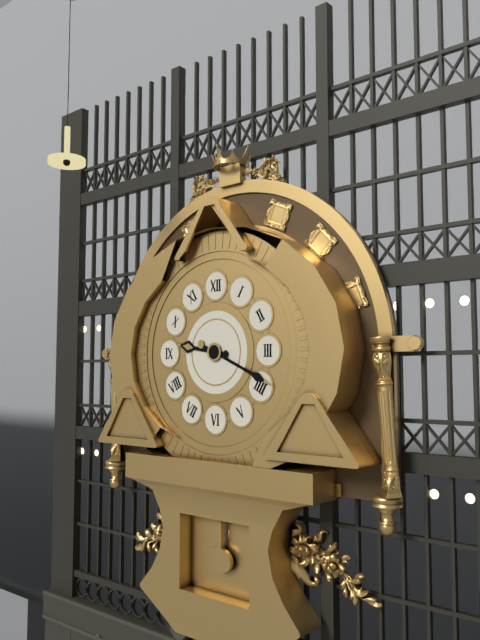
9 h 19 min
